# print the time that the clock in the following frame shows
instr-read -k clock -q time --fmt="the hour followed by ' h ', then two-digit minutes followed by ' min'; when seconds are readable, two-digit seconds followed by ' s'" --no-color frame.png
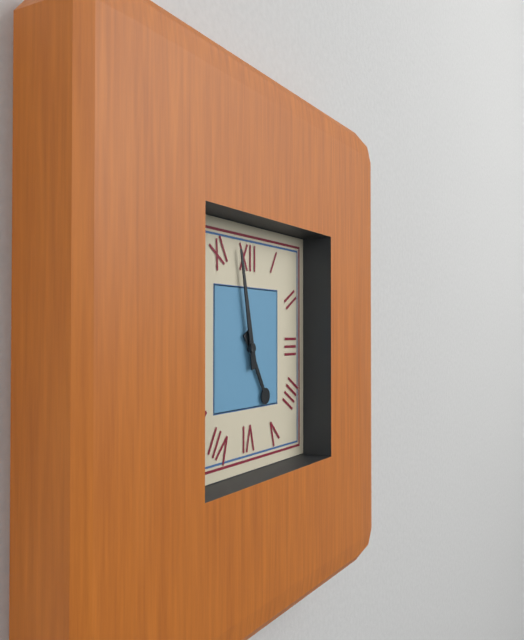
4 h 58 min
